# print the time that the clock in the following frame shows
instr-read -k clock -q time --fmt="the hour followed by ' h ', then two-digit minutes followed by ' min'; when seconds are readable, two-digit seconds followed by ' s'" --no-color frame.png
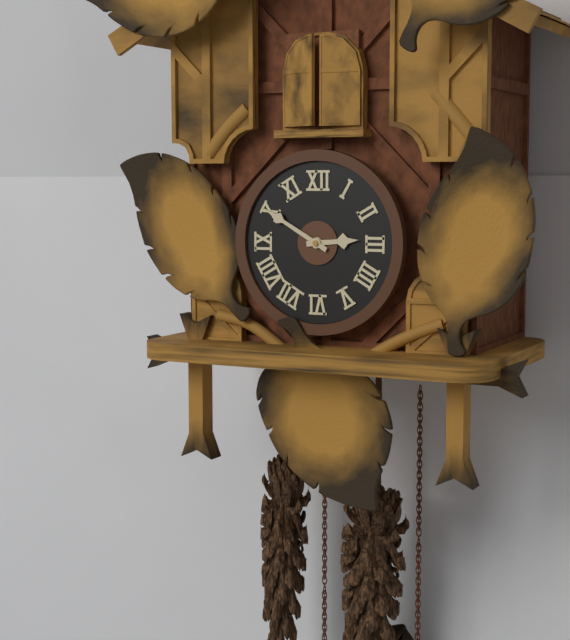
2 h 50 min
